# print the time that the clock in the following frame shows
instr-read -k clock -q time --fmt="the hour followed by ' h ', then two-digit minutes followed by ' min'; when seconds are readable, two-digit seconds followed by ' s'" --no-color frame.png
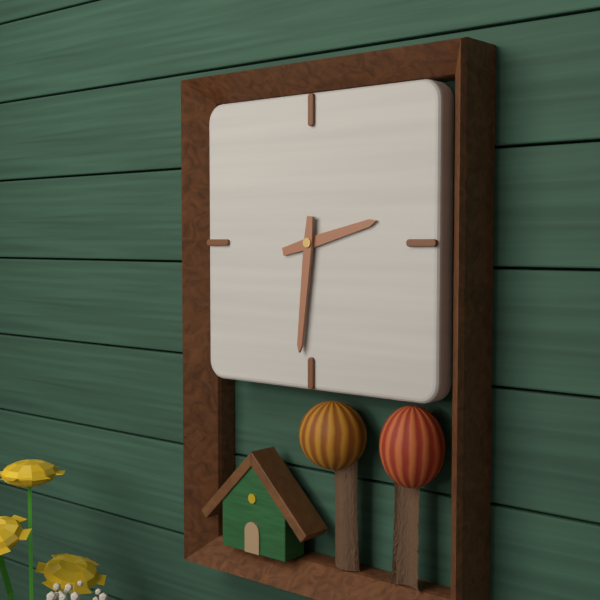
2 h 31 min
